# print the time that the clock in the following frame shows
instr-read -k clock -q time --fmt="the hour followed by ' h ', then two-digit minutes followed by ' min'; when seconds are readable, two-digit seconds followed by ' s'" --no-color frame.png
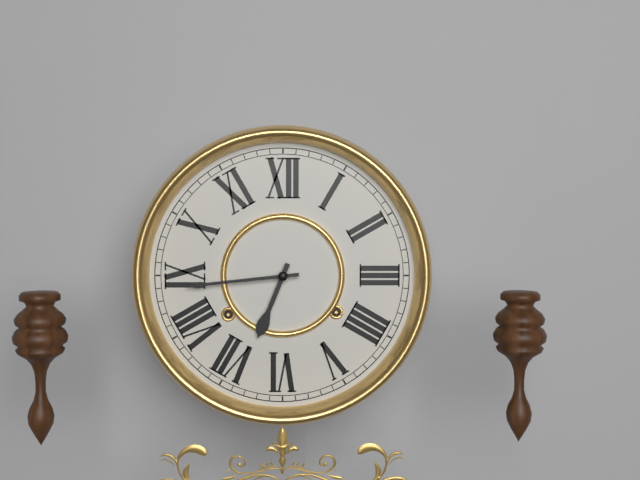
6 h 44 min
